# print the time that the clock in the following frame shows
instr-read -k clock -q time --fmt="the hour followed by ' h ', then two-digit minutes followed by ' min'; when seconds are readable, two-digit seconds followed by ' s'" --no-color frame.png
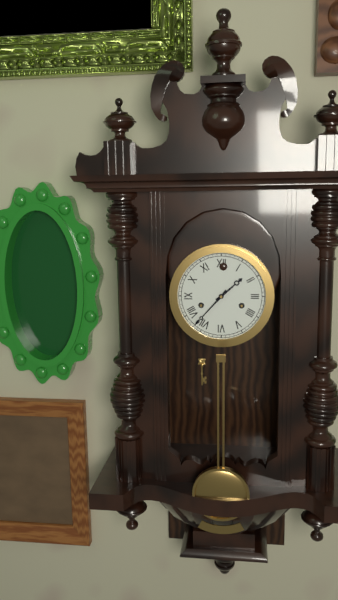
1 h 37 min
